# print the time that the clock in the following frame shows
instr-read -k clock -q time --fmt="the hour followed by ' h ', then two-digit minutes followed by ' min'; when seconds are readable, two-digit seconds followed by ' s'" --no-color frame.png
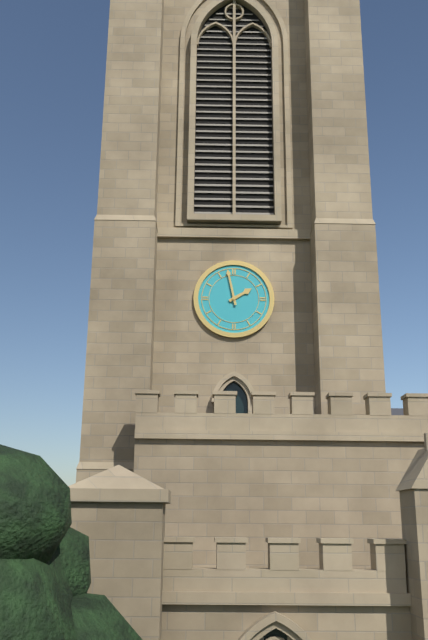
1 h 58 min
